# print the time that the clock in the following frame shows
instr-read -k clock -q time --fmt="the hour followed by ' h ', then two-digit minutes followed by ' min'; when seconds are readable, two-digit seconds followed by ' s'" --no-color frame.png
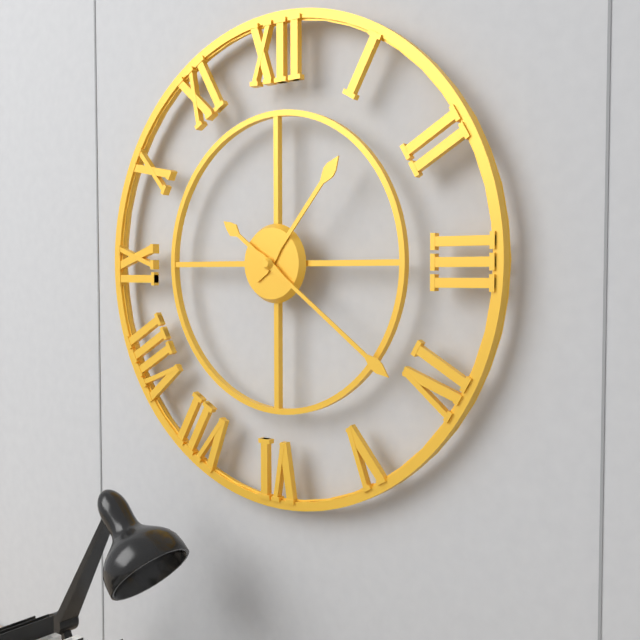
1 h 21 min
